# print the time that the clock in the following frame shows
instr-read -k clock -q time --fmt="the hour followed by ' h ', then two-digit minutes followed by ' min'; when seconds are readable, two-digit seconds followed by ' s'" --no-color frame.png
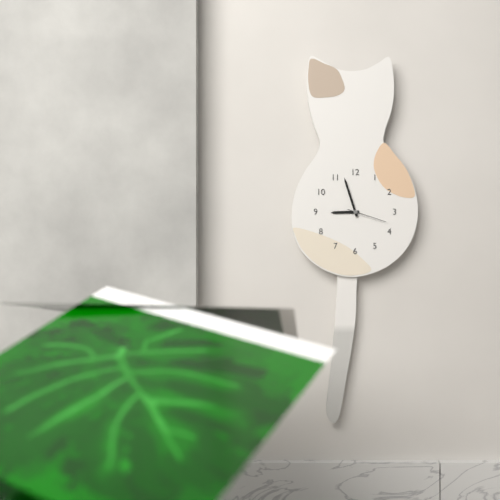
8 h 57 min
